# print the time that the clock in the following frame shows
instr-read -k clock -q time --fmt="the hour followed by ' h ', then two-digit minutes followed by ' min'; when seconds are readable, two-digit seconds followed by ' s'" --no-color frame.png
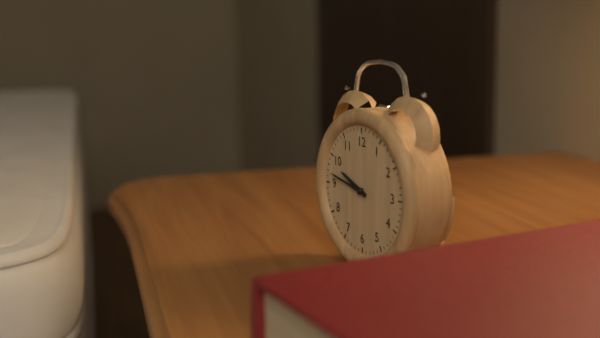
9 h 47 min
